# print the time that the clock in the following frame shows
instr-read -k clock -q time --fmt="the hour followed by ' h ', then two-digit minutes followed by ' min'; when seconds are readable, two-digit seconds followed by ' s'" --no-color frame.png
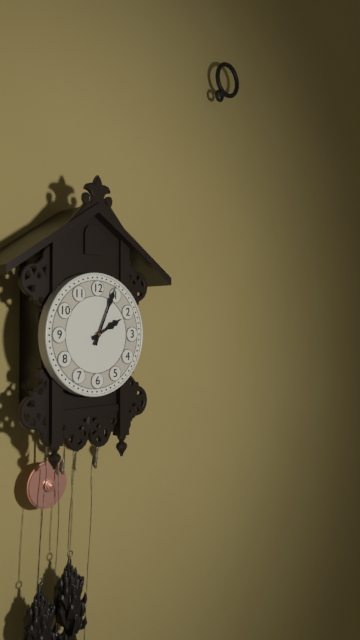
2 h 04 min
